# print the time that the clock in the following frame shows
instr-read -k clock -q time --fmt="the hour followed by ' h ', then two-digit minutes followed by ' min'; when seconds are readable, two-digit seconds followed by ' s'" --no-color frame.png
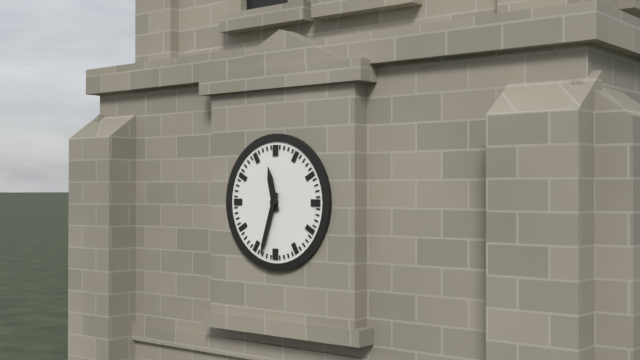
11 h 33 min
